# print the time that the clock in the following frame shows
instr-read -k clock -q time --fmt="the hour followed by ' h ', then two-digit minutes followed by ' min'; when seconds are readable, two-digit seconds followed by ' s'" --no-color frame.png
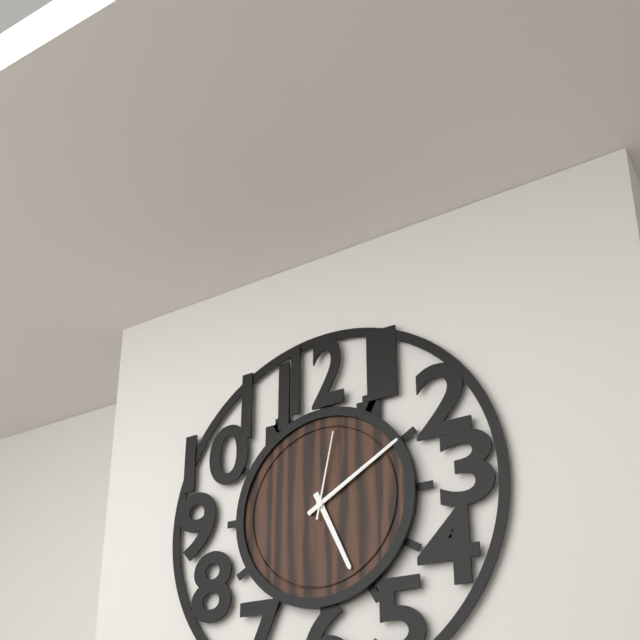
5 h 10 min 02 s
